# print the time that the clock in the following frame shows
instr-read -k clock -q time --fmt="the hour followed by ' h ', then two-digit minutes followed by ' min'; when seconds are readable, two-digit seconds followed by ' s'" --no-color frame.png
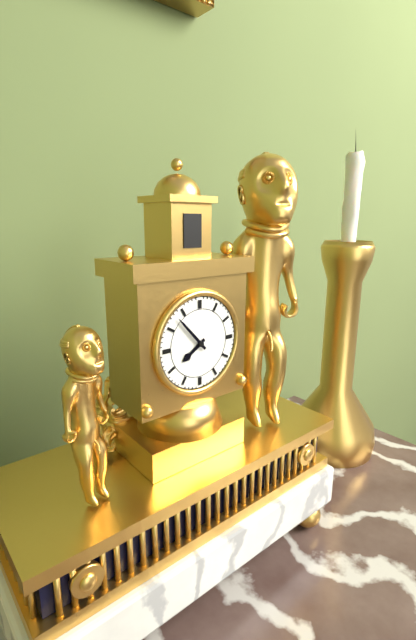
7 h 53 min
